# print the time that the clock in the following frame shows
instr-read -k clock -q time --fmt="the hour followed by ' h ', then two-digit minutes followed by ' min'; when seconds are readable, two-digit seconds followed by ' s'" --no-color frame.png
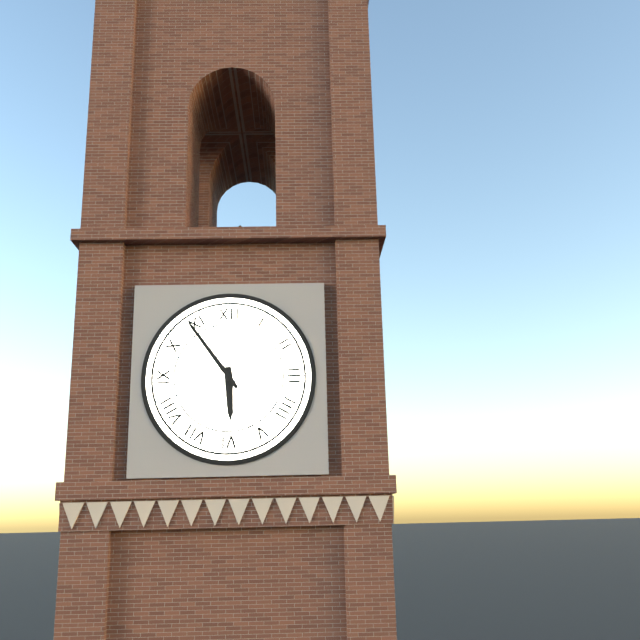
5 h 54 min
